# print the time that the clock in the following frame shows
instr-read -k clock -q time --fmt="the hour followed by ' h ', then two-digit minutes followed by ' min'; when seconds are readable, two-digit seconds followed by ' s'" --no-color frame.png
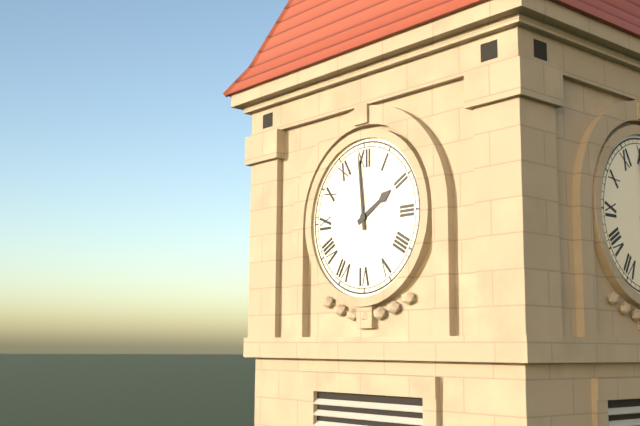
1 h 59 min
